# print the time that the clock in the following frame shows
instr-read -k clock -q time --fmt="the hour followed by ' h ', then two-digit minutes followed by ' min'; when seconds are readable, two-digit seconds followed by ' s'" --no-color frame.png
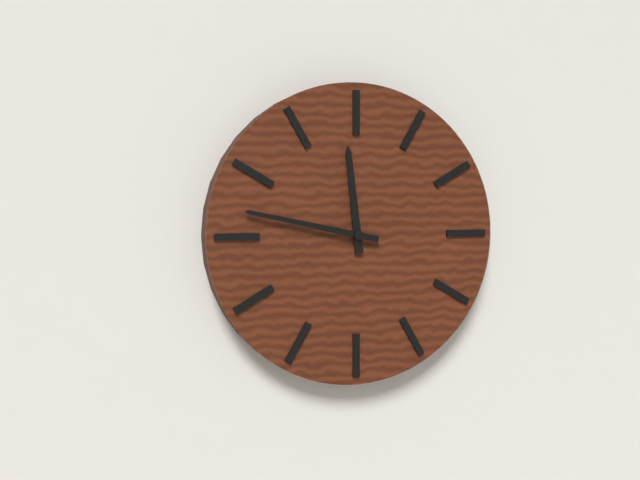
11 h 47 min
